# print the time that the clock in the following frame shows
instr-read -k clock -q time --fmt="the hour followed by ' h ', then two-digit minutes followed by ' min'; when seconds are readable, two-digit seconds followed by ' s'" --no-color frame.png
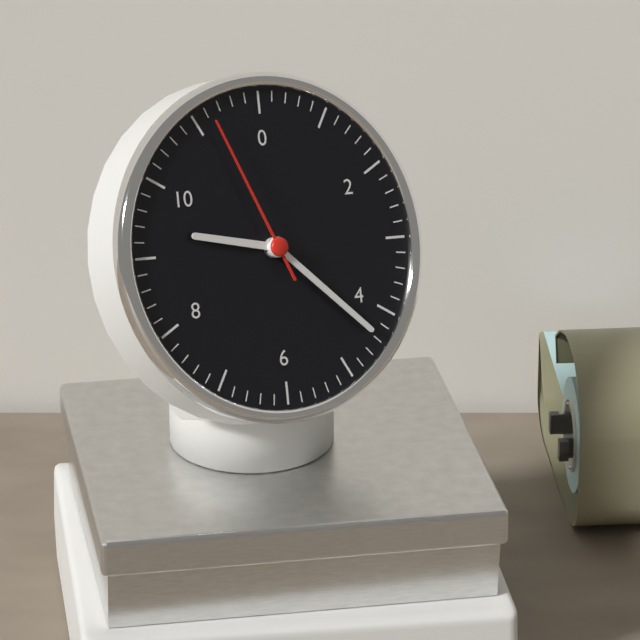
9 h 22 min 56 s
